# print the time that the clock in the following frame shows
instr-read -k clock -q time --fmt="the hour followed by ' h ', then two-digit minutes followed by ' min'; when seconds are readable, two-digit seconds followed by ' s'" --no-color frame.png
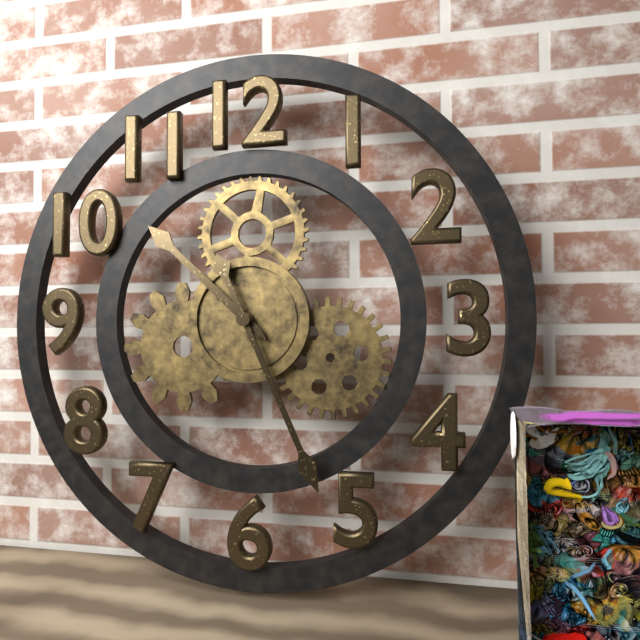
10 h 26 min
